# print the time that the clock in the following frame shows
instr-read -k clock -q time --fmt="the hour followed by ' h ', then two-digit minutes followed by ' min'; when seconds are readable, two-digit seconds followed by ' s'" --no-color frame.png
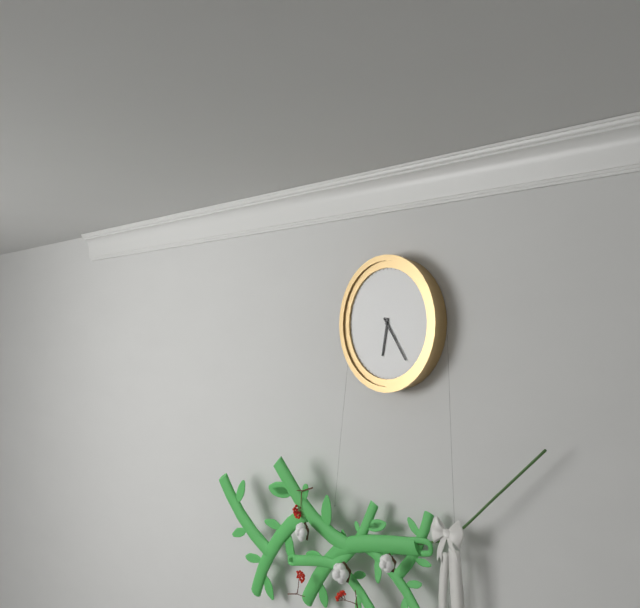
6 h 24 min
